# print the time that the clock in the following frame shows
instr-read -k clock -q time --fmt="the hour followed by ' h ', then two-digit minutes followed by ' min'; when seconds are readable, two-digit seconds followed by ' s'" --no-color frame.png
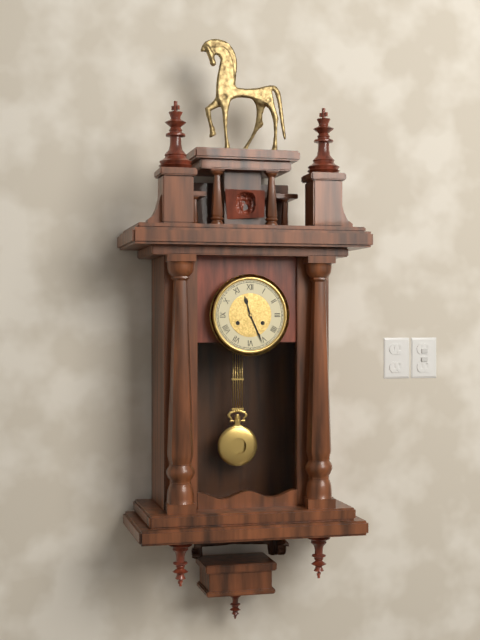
11 h 26 min
